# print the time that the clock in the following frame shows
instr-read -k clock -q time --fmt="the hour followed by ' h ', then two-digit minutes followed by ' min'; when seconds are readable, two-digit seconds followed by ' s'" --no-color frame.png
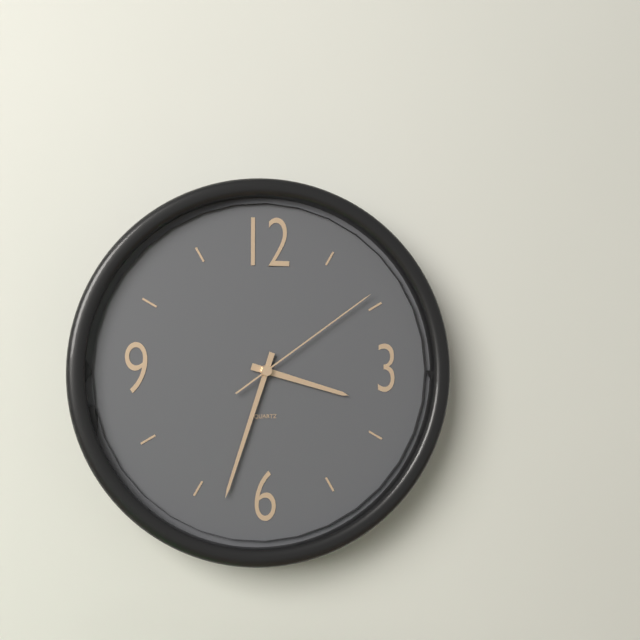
3 h 33 min 09 s
